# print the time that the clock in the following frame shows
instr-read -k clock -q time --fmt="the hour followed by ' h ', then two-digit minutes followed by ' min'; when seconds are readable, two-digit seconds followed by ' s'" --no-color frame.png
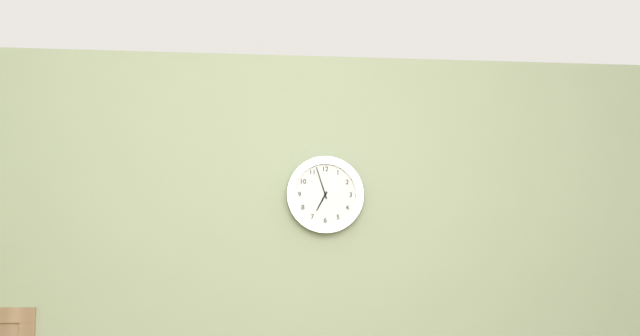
6 h 57 min
